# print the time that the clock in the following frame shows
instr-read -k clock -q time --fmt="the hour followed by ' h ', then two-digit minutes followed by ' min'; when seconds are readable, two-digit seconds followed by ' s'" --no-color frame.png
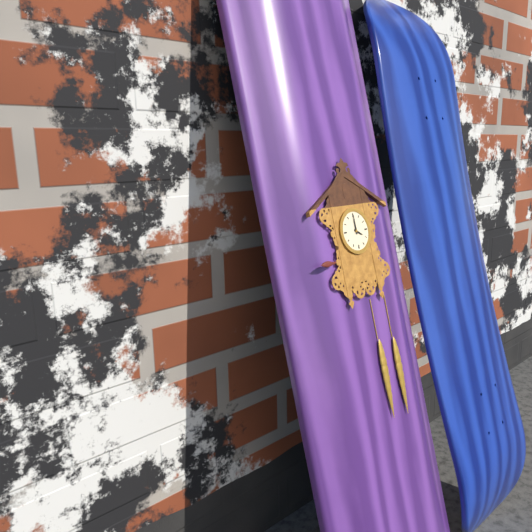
4 h 00 min
